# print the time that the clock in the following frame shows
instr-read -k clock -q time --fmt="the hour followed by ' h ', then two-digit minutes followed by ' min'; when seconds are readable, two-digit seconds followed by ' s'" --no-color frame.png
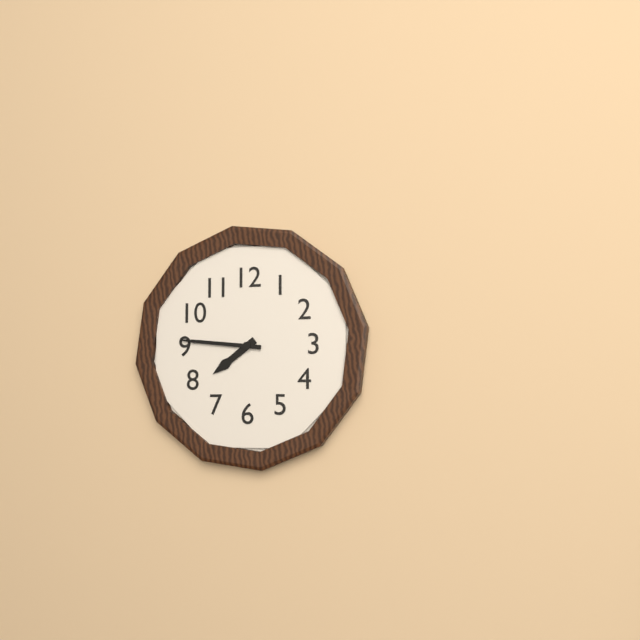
7 h 46 min
